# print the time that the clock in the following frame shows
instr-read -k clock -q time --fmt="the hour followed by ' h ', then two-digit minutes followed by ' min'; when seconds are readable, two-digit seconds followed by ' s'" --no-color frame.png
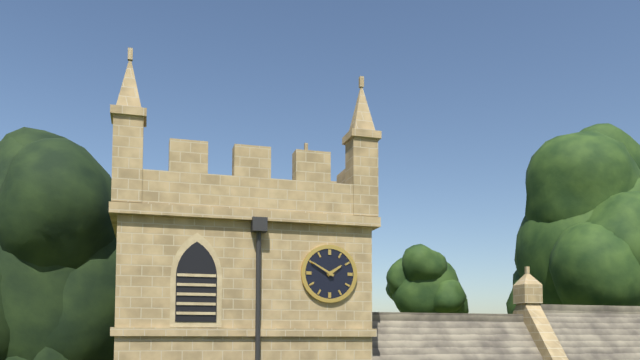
1 h 50 min
